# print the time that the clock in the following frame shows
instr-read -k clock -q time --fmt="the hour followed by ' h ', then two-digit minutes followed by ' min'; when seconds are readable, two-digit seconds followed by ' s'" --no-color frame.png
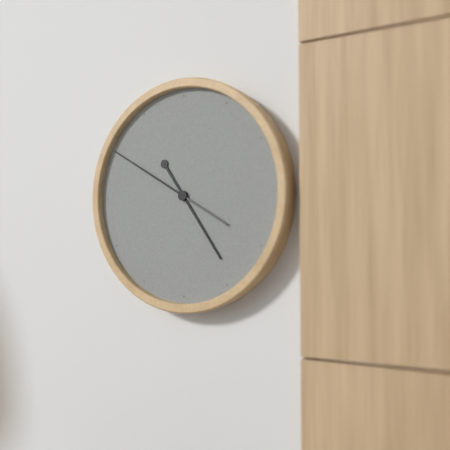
4 h 50 min
